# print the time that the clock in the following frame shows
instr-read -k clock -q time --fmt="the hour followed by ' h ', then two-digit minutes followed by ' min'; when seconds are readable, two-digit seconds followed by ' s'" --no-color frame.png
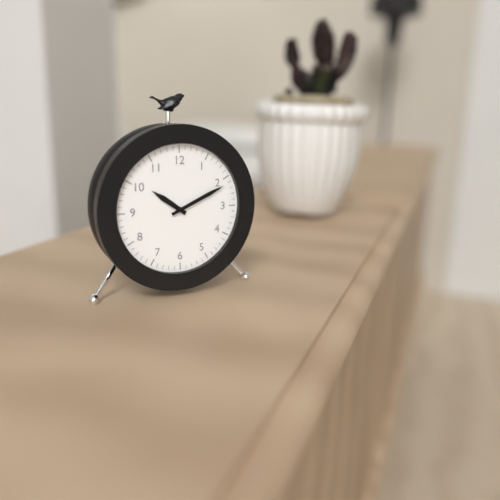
10 h 11 min
